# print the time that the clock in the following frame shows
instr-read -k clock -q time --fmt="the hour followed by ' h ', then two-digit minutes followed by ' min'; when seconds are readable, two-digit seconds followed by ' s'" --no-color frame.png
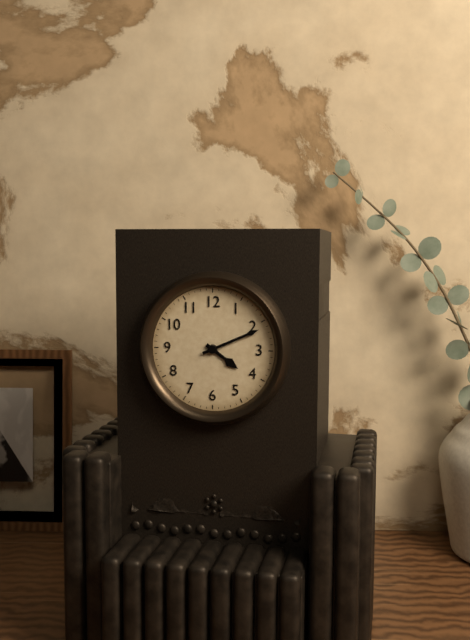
4 h 11 min
